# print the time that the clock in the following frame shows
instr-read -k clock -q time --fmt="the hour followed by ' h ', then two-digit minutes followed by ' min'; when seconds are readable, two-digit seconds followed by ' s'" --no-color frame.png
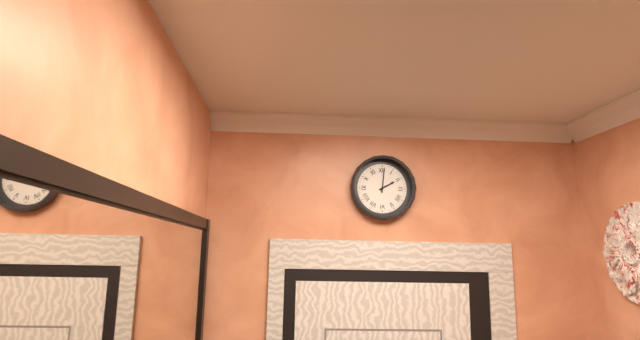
2 h 01 min
